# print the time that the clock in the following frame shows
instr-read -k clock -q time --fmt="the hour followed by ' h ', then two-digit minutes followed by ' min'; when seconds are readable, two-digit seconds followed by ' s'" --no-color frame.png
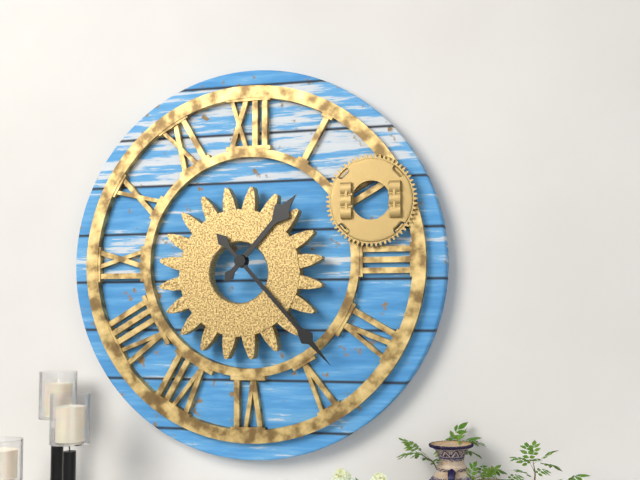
1 h 23 min
